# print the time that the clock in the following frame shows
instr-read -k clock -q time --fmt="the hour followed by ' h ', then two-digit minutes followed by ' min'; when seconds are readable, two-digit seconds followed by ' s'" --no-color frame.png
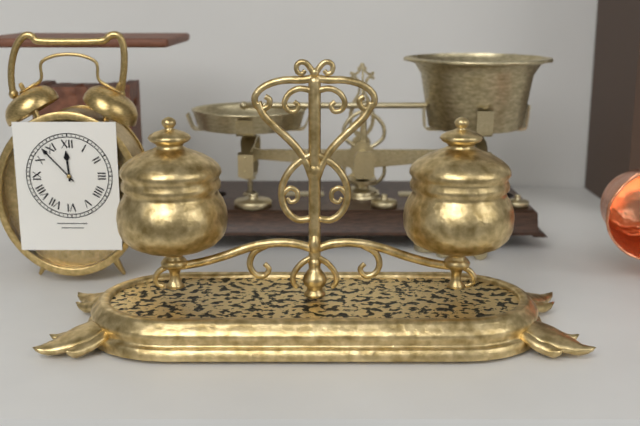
11 h 53 min
